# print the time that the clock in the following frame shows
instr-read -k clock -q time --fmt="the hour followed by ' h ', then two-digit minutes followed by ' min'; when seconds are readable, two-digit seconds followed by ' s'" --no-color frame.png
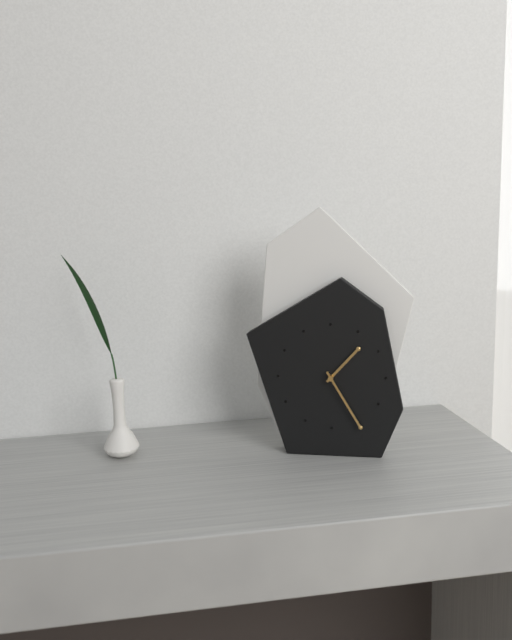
1 h 25 min
